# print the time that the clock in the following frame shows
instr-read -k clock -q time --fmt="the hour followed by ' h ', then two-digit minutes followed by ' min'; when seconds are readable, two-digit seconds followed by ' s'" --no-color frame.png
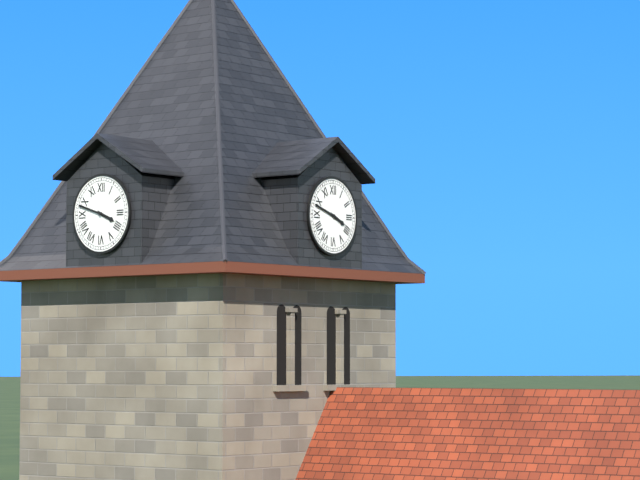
3 h 48 min
